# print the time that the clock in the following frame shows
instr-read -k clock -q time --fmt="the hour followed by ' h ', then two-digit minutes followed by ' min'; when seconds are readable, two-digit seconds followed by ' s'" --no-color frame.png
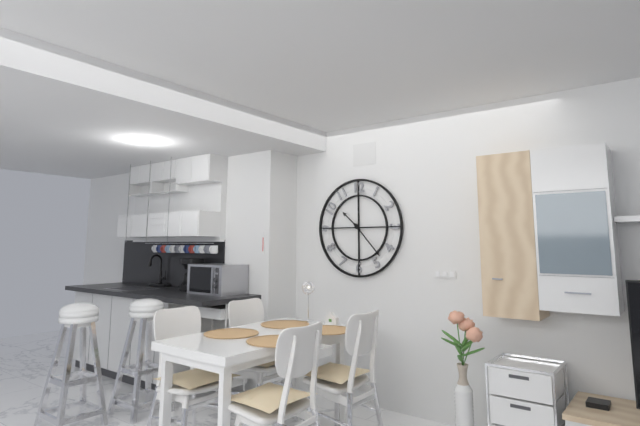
10 h 23 min
